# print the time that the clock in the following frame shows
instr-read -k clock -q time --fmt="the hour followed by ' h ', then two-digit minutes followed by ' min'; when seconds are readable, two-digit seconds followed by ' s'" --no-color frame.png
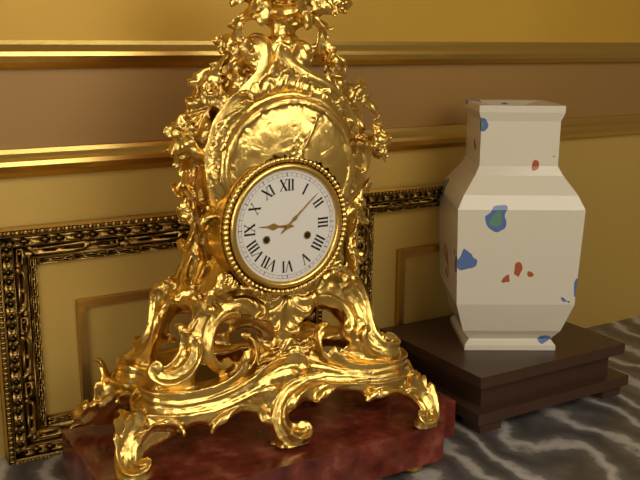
9 h 08 min
